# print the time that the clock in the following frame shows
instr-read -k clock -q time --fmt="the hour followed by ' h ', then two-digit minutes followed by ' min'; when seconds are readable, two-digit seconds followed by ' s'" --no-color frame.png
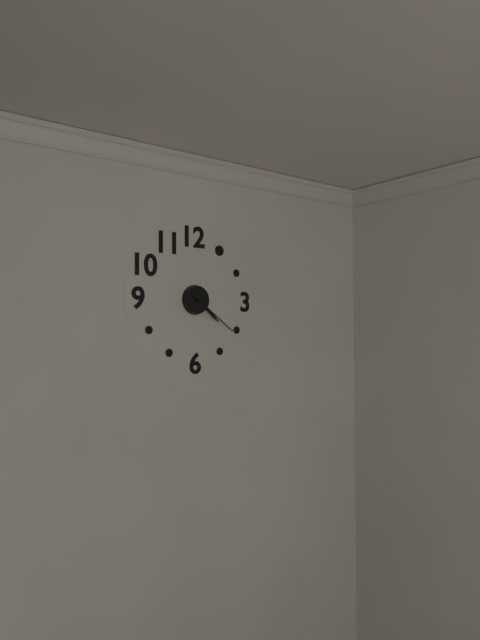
4 h 21 min
